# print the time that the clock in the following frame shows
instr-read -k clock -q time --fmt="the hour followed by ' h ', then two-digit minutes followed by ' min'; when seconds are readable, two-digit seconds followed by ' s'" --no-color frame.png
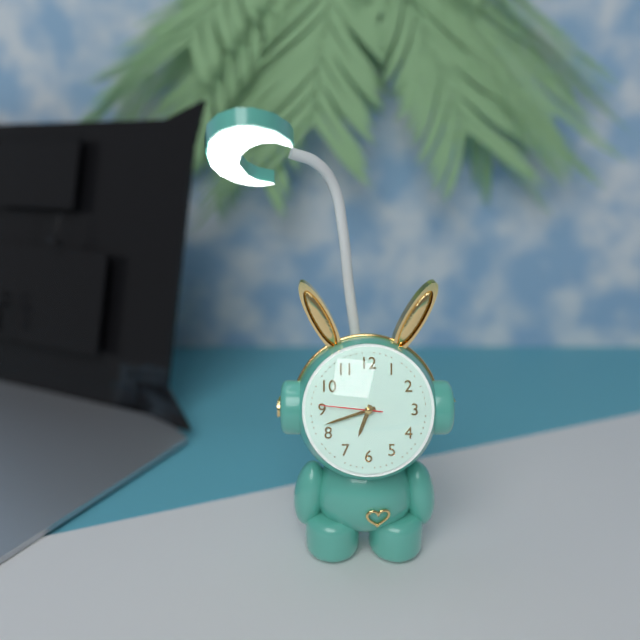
6 h 42 min 46 s
